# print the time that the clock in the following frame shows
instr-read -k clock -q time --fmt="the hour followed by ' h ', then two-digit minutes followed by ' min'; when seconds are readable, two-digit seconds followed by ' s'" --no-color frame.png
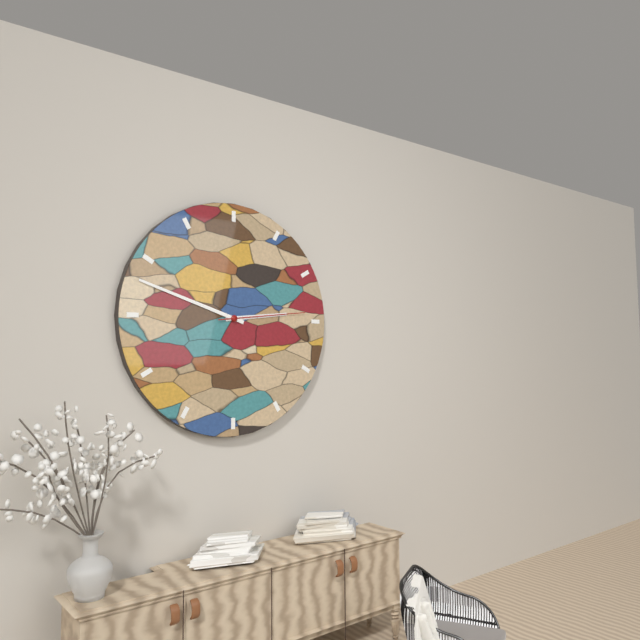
2 h 48 min 14 s
